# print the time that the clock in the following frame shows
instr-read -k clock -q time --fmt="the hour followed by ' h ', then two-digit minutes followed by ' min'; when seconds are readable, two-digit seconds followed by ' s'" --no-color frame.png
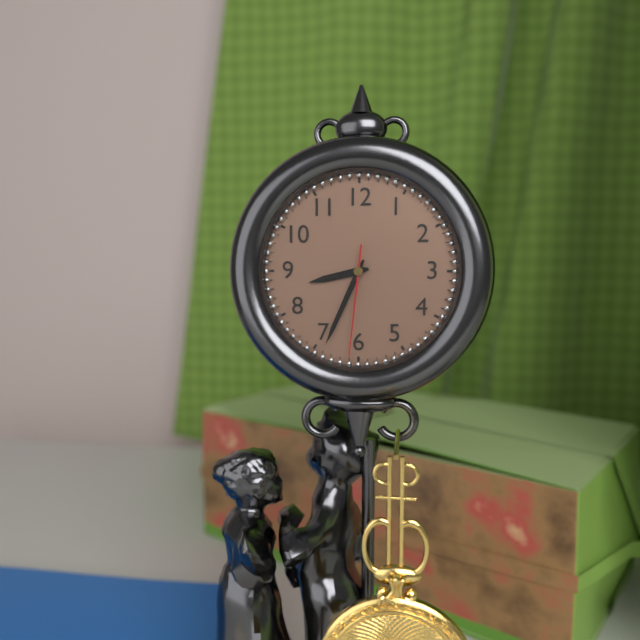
8 h 34 min 31 s
